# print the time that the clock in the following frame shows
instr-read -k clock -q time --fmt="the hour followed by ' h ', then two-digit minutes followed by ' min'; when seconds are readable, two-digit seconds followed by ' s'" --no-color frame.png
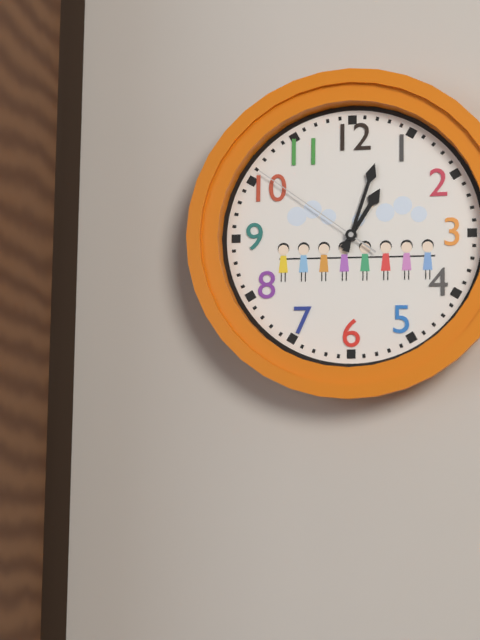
1 h 03 min 51 s
